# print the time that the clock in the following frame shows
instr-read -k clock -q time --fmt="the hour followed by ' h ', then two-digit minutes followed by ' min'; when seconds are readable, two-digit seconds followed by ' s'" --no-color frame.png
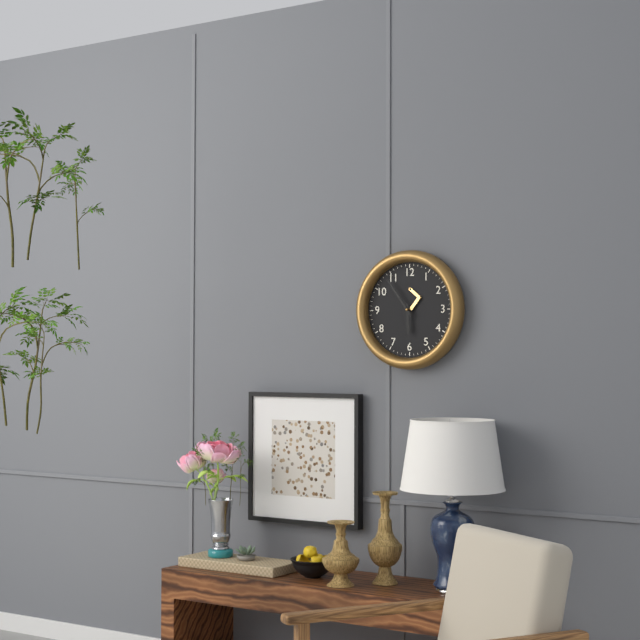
5 h 54 min
